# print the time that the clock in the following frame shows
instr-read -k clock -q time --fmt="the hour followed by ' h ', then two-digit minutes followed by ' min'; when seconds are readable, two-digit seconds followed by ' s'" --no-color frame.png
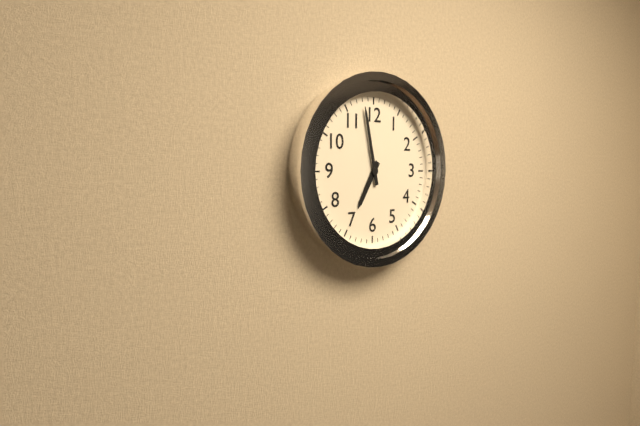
6 h 58 min
